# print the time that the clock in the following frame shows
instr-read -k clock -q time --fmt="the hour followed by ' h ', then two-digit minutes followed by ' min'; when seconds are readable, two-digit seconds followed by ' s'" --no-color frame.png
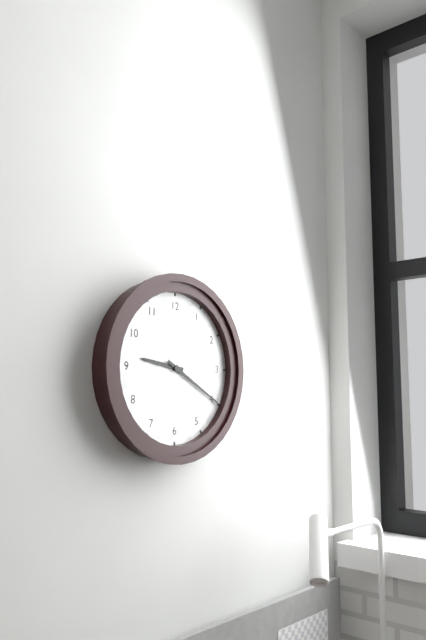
9 h 20 min
